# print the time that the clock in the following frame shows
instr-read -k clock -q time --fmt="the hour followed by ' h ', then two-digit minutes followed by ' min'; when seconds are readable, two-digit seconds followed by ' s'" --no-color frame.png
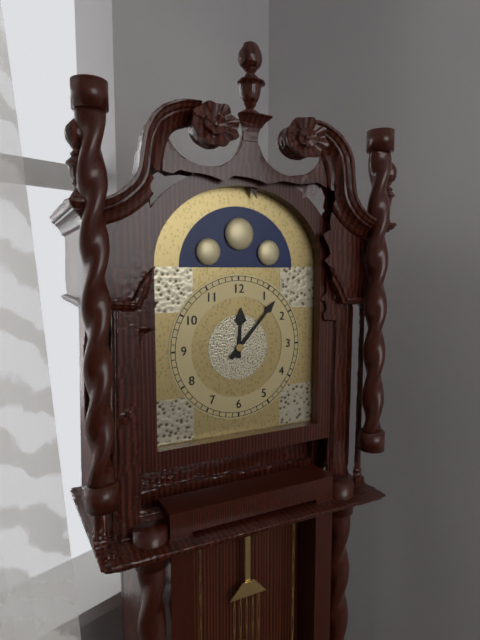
12 h 07 min
